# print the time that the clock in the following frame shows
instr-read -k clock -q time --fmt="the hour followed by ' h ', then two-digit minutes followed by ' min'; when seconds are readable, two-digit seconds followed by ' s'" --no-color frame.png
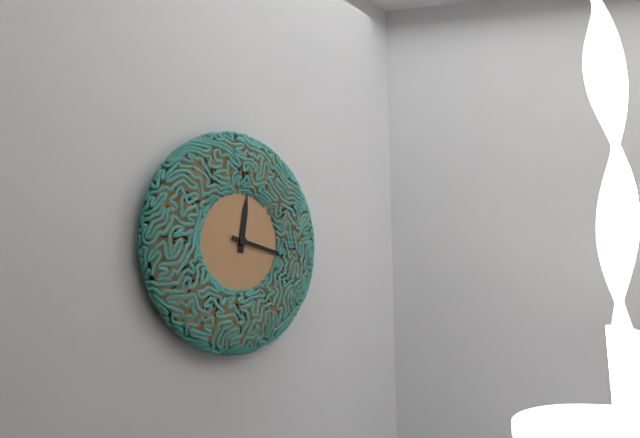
12 h 17 min
